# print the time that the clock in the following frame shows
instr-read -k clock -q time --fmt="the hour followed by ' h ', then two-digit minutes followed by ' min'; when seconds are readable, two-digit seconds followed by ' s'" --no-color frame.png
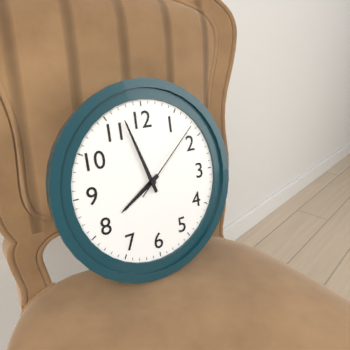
7 h 57 min 08 s
